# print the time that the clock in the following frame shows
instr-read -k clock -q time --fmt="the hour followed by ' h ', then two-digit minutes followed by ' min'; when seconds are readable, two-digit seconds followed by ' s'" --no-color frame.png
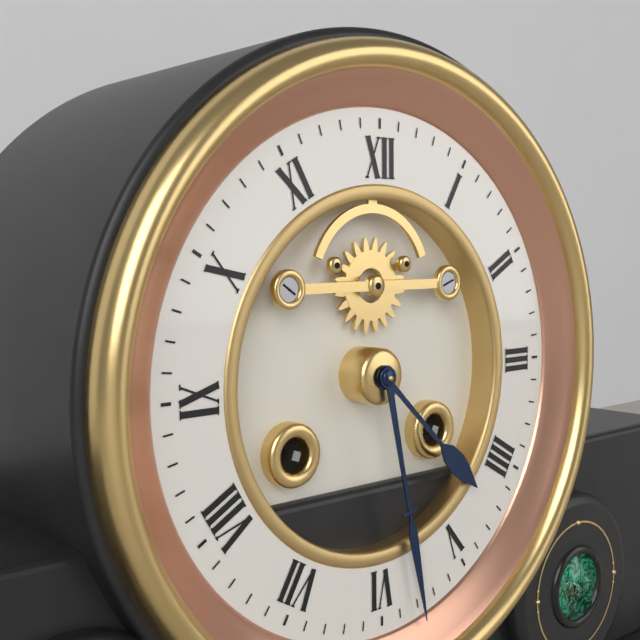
4 h 28 min
